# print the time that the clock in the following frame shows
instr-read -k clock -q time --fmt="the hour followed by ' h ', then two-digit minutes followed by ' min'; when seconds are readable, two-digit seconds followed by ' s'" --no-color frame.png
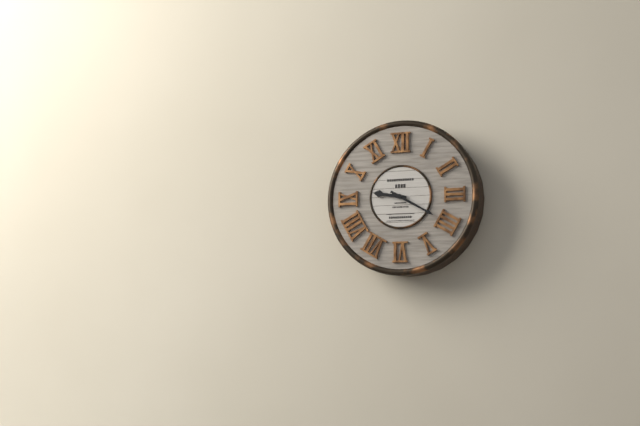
9 h 20 min
